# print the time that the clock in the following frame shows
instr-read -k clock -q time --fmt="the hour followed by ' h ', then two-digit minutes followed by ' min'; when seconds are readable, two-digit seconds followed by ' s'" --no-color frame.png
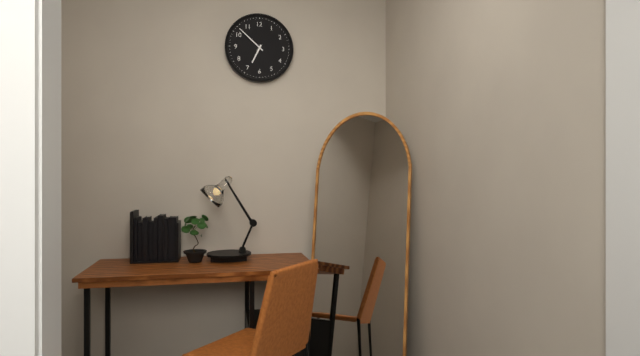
6 h 52 min
